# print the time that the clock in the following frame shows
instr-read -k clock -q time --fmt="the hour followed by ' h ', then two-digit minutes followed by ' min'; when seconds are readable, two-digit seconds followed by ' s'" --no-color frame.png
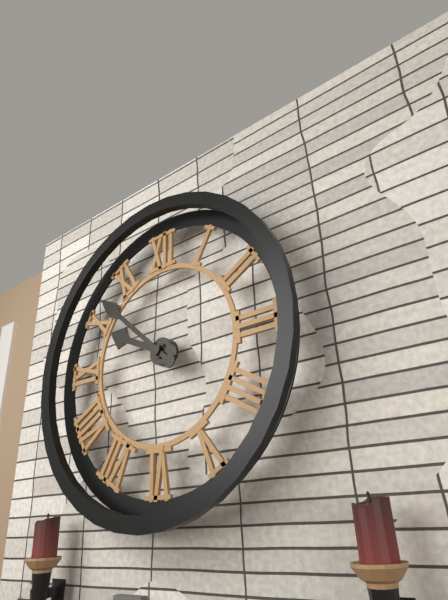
9 h 52 min
